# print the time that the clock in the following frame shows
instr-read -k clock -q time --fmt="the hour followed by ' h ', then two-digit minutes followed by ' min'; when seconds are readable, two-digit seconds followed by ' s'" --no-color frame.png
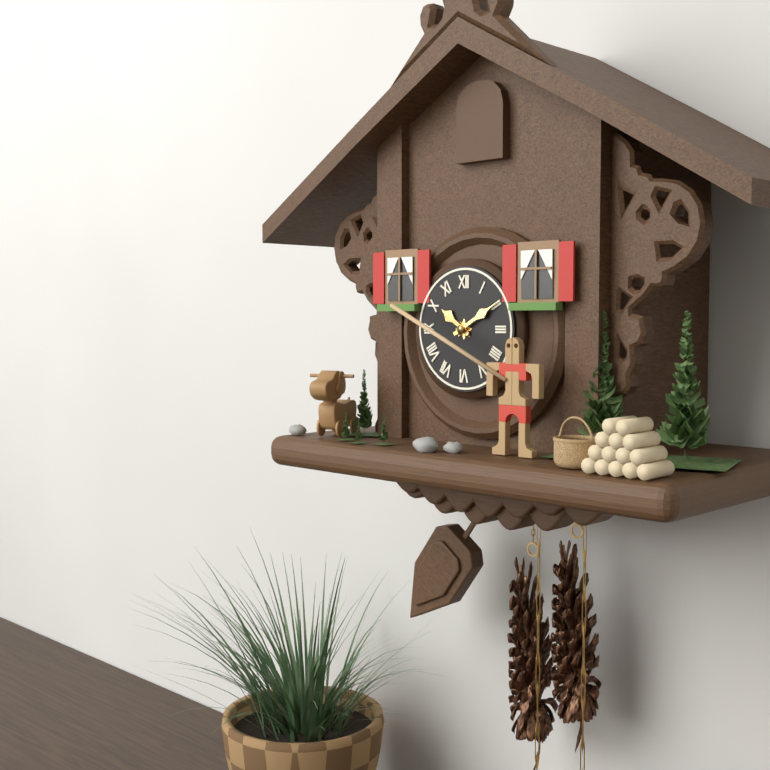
10 h 10 min
